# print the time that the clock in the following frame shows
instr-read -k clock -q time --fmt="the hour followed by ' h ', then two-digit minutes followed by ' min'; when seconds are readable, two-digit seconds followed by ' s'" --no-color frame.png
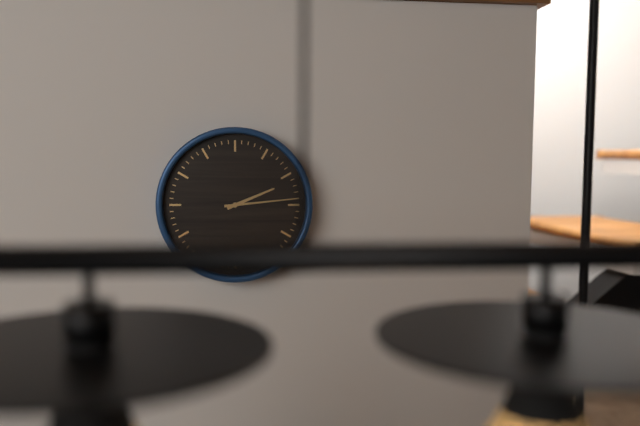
2 h 14 min
